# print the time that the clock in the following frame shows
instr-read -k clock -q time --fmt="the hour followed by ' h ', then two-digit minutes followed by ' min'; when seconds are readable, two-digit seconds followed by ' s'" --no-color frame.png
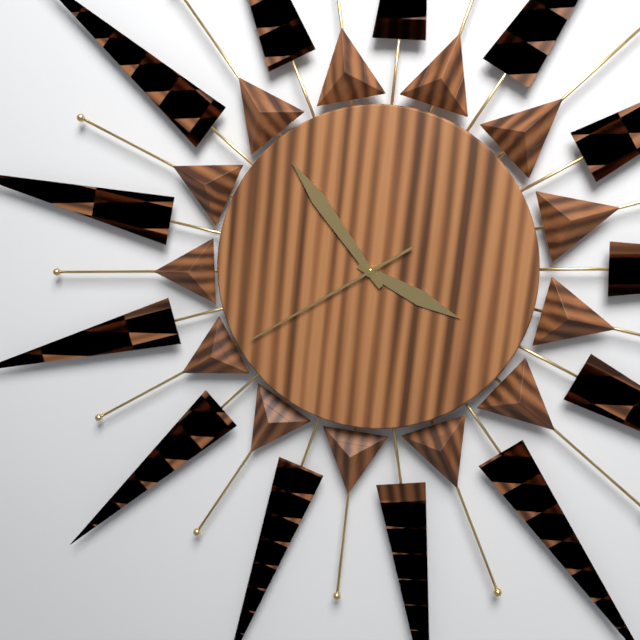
3 h 54 min 40 s
